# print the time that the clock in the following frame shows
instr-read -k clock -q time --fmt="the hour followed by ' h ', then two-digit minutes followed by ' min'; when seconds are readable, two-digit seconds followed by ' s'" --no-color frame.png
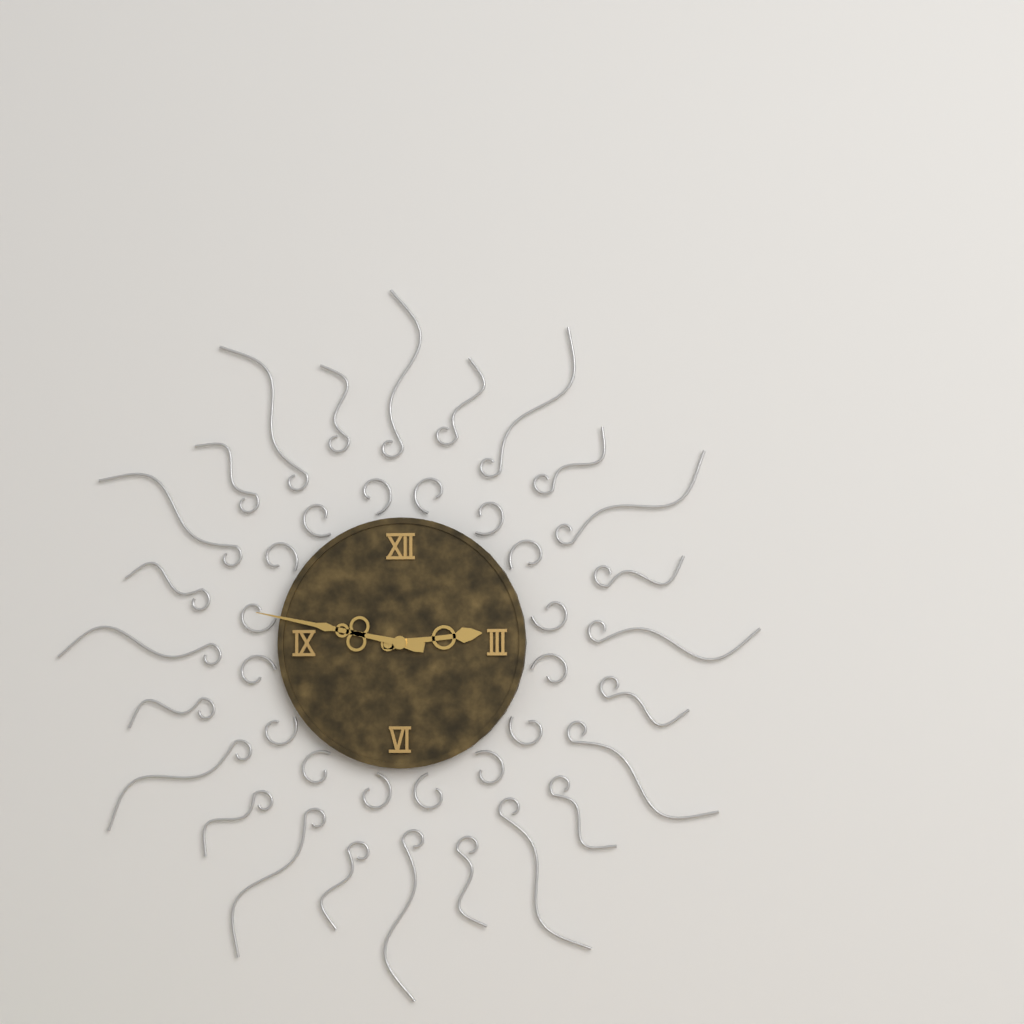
2 h 47 min
